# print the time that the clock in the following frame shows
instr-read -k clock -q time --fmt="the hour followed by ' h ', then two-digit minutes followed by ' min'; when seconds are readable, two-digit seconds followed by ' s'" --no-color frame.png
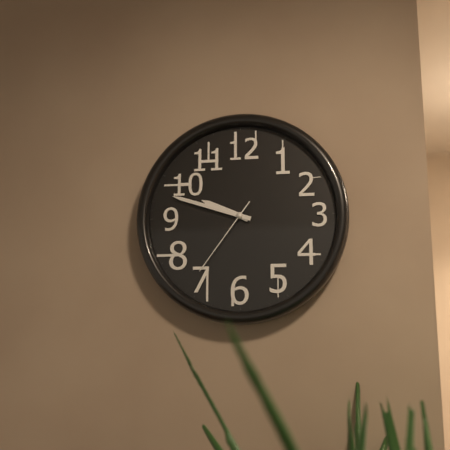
9 h 48 min 36 s
